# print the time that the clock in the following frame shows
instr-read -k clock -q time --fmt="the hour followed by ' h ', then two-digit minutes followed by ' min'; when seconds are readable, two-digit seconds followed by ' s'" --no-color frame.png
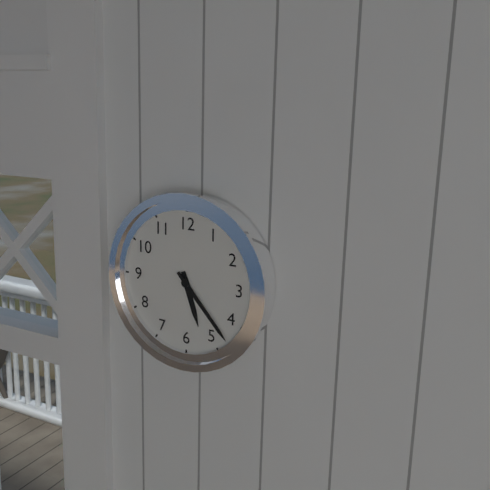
5 h 23 min
